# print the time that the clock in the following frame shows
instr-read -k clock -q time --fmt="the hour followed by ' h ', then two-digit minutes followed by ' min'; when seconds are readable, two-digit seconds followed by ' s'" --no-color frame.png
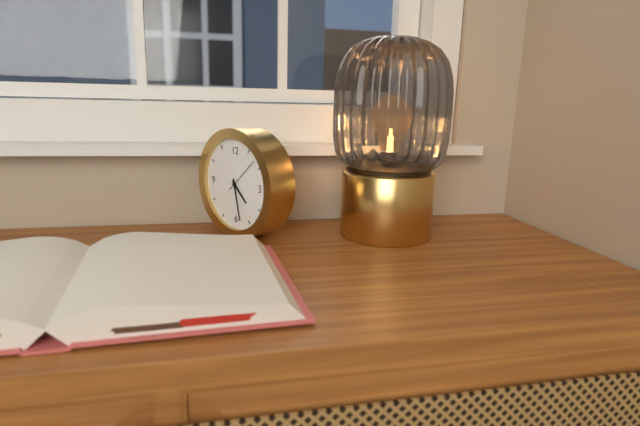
4 h 28 min
